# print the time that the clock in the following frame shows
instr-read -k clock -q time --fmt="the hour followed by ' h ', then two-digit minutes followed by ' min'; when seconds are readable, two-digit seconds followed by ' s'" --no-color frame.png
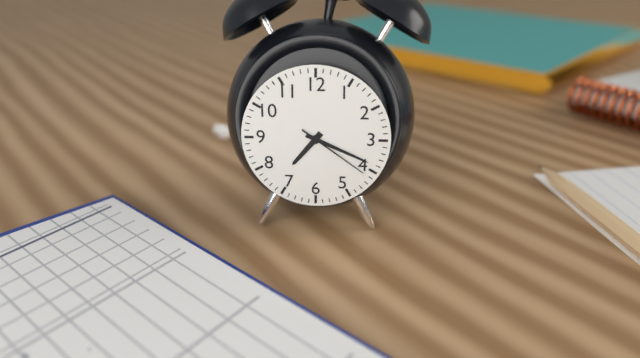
7 h 19 min 21 s
